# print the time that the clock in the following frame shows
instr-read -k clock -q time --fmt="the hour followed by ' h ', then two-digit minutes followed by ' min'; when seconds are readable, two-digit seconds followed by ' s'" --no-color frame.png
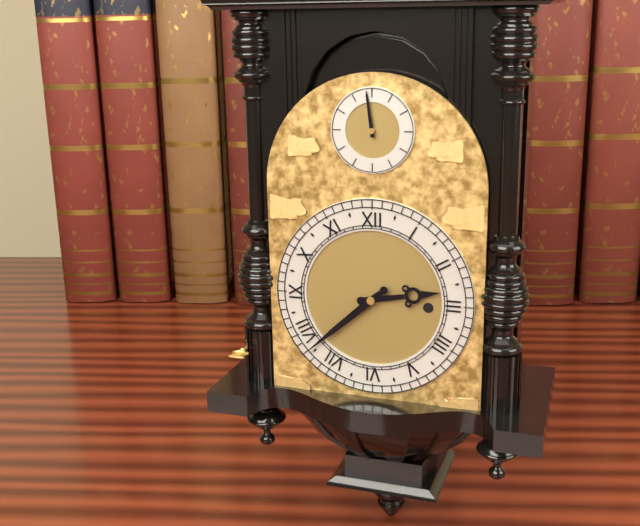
2 h 38 min
